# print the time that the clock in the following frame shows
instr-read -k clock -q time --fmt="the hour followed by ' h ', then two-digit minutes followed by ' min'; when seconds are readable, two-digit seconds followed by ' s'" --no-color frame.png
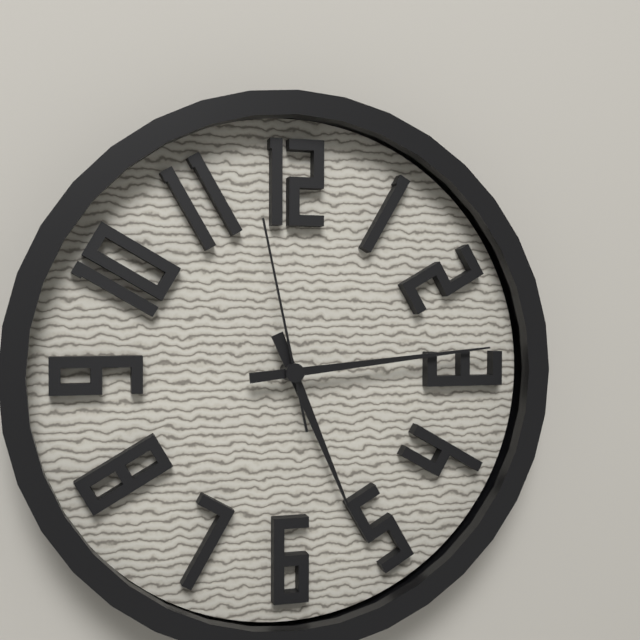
5 h 14 min 58 s
